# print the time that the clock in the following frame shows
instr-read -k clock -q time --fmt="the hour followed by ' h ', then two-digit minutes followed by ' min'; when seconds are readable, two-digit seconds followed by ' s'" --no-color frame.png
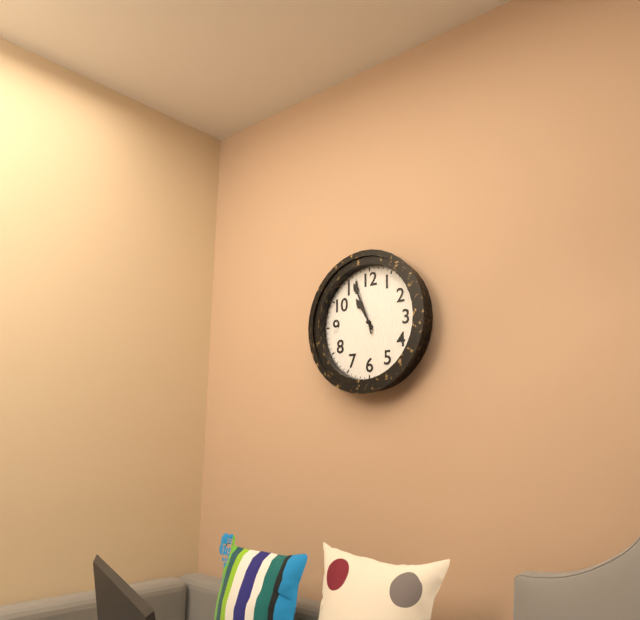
10 h 56 min 57 s
